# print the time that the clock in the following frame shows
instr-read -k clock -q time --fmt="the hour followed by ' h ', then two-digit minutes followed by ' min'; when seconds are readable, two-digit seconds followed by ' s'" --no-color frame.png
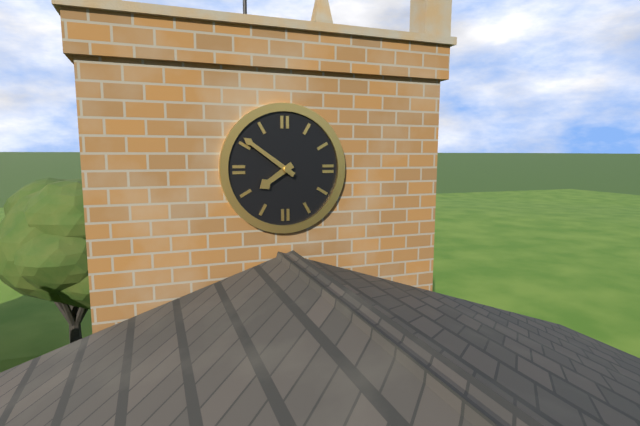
7 h 51 min
